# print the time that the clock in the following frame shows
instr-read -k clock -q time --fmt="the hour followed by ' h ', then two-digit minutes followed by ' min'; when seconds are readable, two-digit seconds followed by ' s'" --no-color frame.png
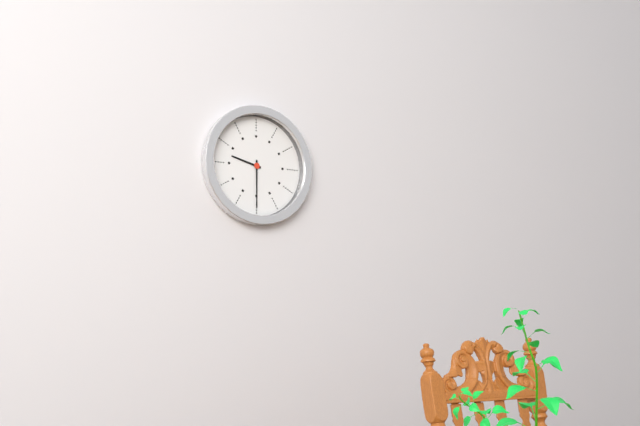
9 h 30 min
